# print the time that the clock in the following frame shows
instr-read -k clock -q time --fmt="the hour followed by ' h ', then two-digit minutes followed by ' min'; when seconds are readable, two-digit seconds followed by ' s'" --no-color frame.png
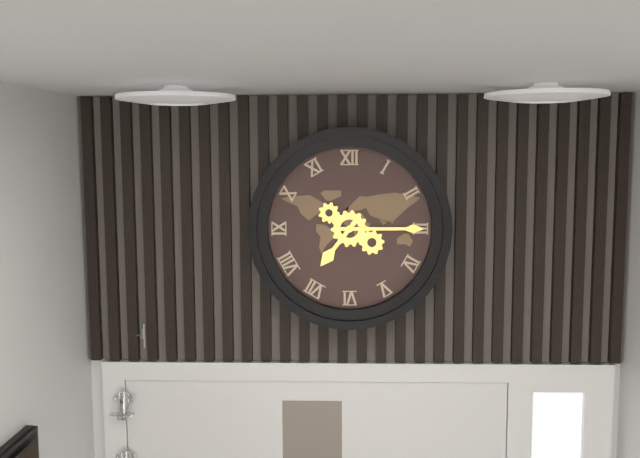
7 h 15 min
